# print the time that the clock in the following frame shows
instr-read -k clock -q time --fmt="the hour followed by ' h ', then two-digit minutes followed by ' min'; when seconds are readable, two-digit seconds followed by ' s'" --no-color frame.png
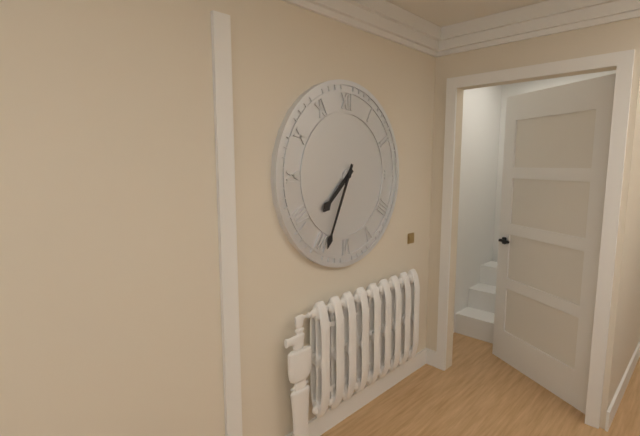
7 h 34 min
